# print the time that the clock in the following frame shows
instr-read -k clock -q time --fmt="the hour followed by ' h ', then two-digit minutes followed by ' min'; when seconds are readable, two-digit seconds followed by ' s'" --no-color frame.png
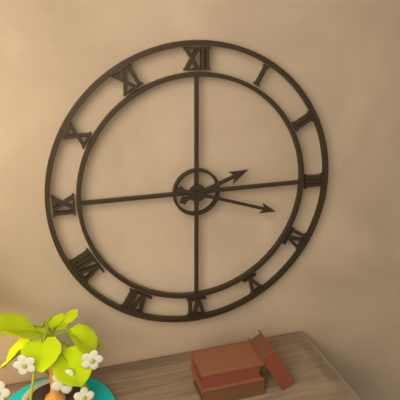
2 h 18 min
